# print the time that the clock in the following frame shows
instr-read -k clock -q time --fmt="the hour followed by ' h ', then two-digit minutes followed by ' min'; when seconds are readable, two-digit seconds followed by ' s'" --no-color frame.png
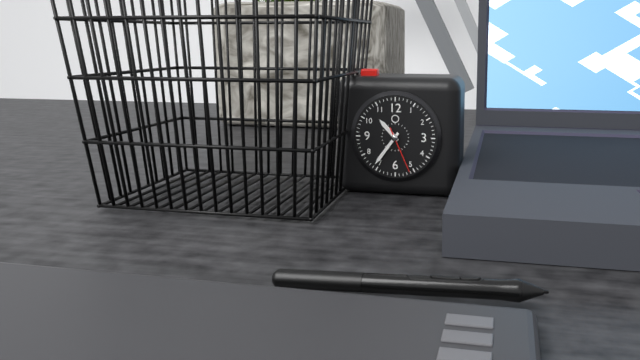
10 h 36 min
